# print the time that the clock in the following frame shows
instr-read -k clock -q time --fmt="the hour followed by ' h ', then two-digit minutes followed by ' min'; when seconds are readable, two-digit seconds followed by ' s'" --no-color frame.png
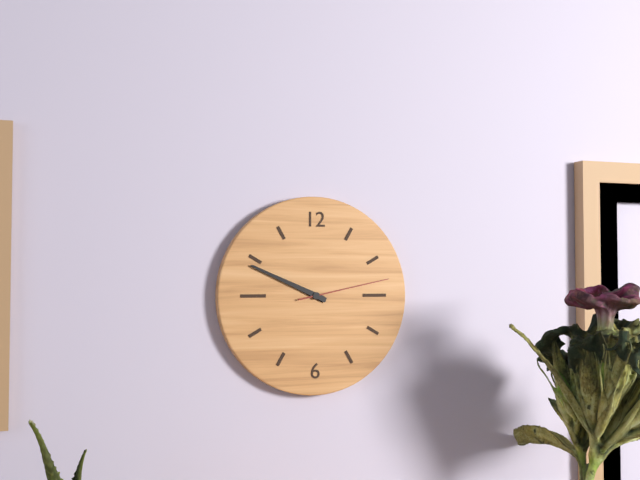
9 h 49 min 13 s
